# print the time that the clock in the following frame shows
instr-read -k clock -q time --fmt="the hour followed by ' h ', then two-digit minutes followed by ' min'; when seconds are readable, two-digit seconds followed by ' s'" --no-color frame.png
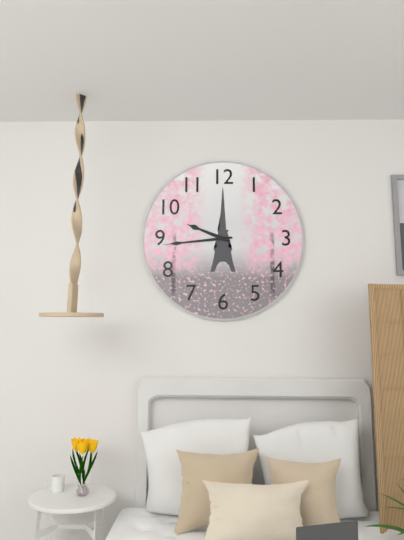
9 h 44 min
